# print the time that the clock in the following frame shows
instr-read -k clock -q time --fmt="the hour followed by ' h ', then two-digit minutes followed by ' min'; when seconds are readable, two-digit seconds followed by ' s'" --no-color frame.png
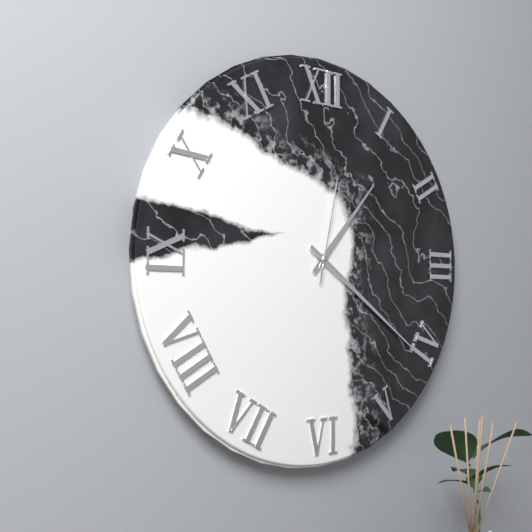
1 h 21 min 02 s
